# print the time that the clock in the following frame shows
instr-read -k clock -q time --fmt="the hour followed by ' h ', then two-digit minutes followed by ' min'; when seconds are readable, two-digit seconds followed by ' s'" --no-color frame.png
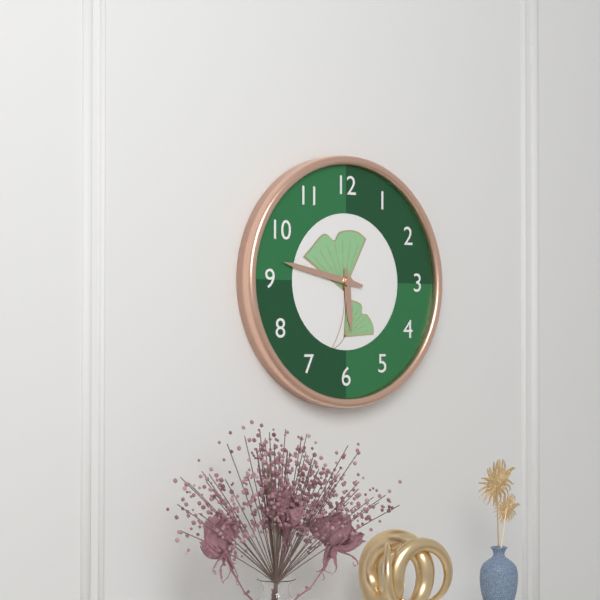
5 h 47 min
